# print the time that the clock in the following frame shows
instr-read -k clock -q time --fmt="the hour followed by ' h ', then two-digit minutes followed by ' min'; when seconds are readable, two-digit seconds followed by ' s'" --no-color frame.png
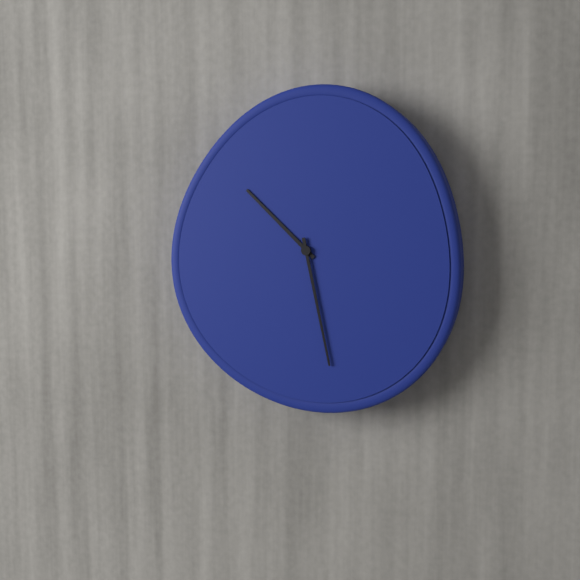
10 h 28 min
